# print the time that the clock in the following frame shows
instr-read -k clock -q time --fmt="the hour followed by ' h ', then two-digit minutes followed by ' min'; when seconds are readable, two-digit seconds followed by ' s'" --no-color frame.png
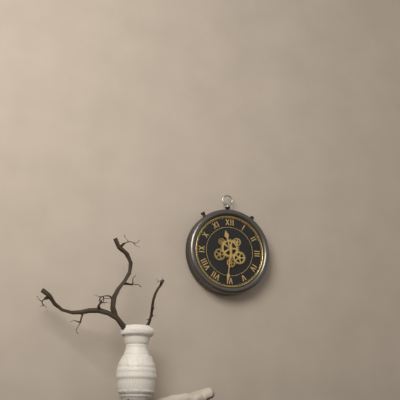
11 h 31 min
